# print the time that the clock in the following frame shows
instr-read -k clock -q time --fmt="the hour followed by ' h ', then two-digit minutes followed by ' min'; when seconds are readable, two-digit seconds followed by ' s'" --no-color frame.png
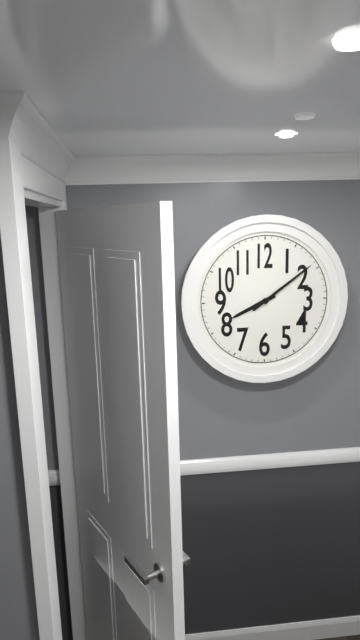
8 h 09 min
